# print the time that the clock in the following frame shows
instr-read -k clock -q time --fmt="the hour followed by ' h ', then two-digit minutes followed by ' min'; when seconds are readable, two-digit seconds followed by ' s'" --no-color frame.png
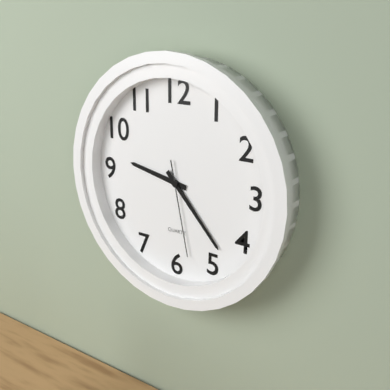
9 h 23 min 28 s
